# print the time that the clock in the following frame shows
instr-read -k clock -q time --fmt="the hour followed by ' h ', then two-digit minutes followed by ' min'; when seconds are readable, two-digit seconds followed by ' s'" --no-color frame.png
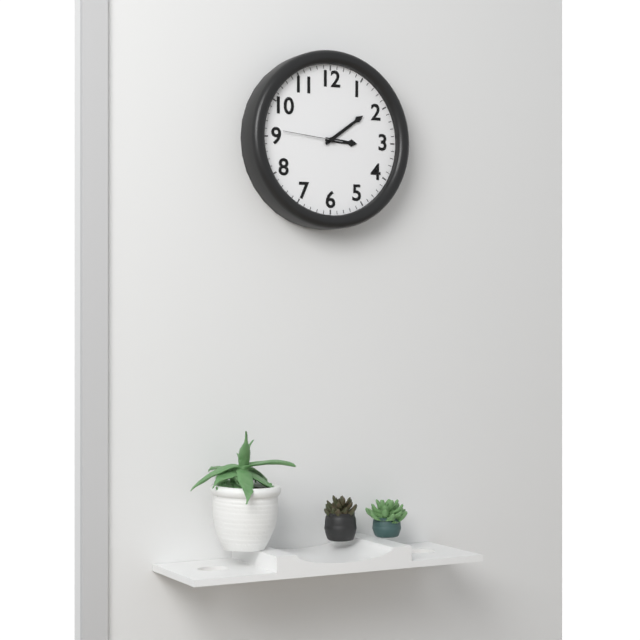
3 h 09 min 46 s
